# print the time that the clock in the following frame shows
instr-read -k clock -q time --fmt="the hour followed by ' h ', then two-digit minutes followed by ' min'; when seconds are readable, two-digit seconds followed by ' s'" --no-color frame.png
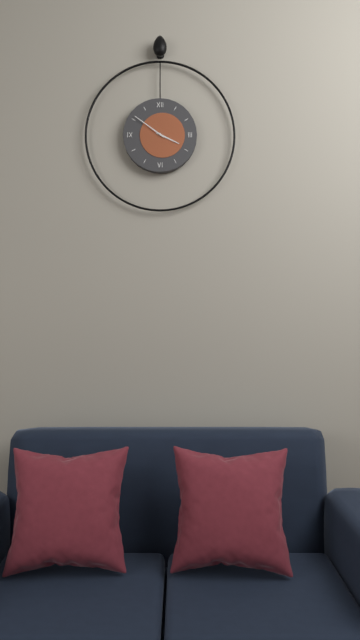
3 h 51 min
